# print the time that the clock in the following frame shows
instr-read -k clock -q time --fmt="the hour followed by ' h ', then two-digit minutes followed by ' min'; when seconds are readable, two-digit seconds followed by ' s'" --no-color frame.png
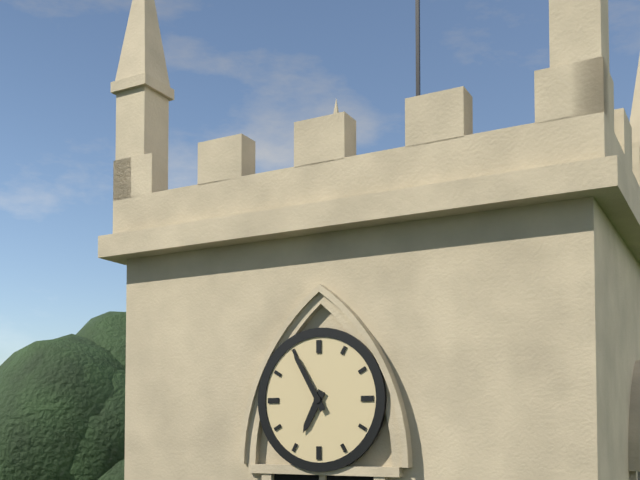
6 h 55 min
